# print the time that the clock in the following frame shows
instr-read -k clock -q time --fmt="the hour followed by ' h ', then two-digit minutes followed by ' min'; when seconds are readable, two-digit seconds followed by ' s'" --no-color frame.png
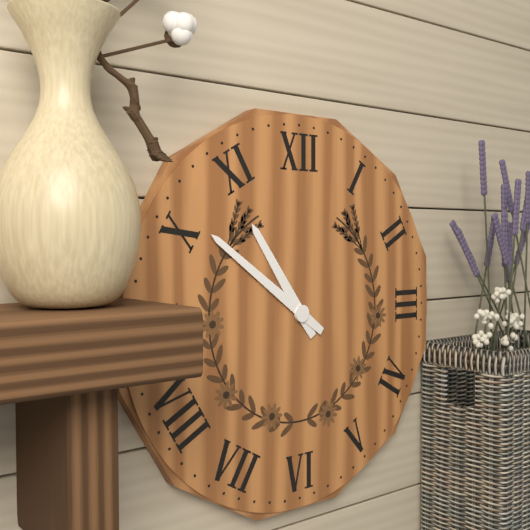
10 h 51 min
